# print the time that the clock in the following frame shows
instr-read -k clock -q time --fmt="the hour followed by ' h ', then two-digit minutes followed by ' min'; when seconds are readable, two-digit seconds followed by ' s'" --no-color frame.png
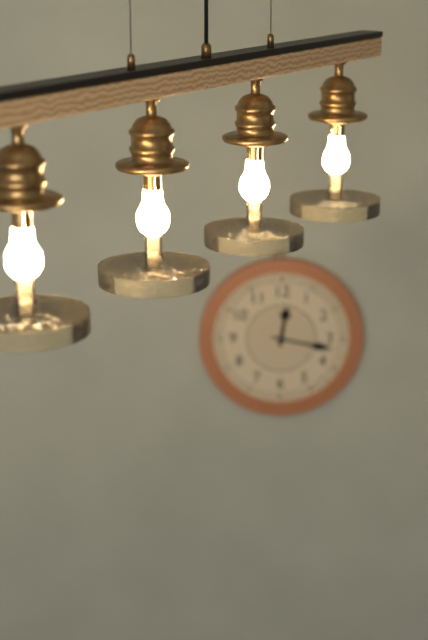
12 h 17 min
